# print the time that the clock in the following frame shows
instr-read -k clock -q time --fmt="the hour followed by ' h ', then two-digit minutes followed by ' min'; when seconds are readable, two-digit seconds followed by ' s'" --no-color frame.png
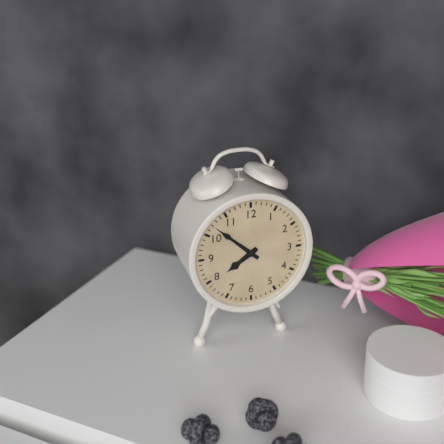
7 h 52 min
